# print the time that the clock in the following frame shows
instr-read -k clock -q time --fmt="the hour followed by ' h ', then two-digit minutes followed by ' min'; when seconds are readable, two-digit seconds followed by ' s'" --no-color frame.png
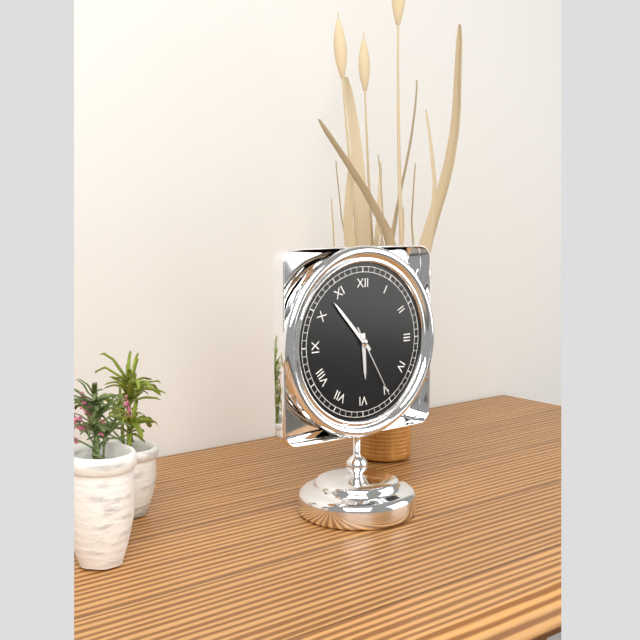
5 h 53 min 25 s
